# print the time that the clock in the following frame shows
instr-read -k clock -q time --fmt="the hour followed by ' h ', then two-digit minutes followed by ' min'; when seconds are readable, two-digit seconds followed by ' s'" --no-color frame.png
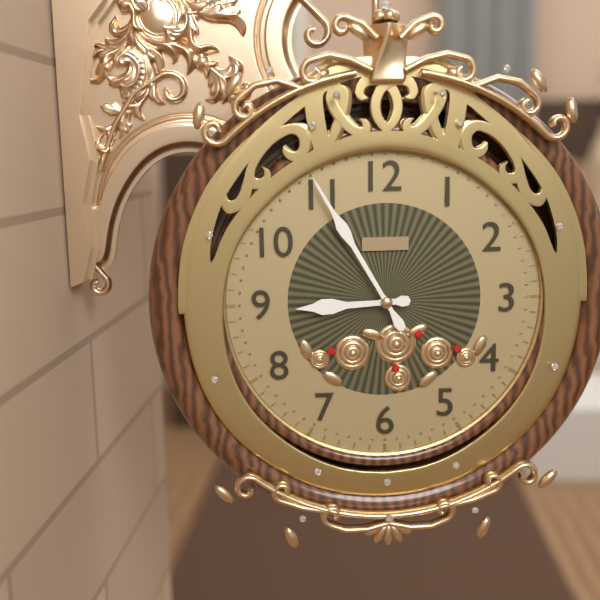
8 h 55 min
